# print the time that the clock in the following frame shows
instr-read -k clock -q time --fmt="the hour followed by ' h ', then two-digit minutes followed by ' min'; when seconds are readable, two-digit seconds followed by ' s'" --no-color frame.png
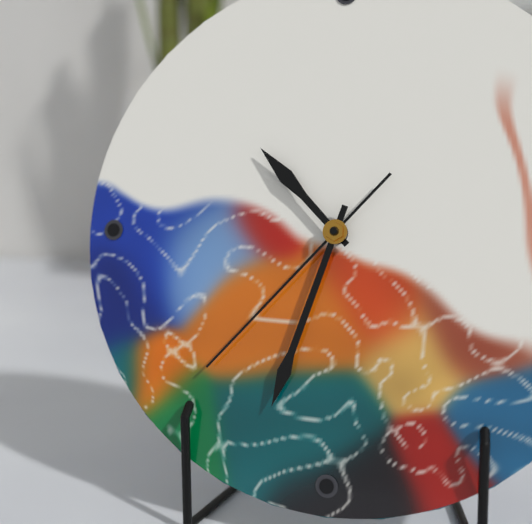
10 h 33 min 37 s
